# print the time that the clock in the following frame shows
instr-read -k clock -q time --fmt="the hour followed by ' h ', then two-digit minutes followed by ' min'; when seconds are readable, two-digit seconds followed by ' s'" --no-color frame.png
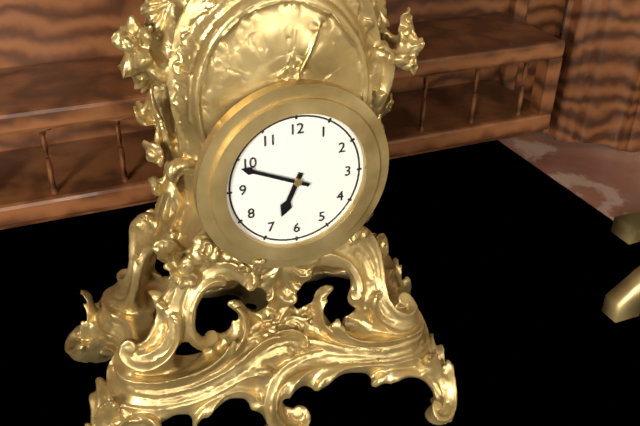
6 h 49 min
